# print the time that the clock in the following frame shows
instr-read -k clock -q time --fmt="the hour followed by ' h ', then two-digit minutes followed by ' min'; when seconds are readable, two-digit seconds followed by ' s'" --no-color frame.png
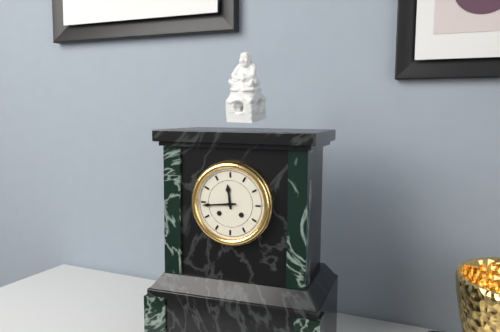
11 h 44 min
